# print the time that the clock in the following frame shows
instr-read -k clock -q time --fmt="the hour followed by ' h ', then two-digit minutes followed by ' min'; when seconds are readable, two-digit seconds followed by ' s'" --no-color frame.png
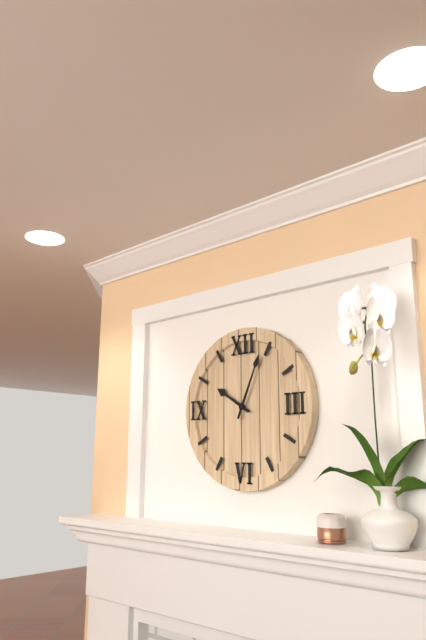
10 h 04 min
